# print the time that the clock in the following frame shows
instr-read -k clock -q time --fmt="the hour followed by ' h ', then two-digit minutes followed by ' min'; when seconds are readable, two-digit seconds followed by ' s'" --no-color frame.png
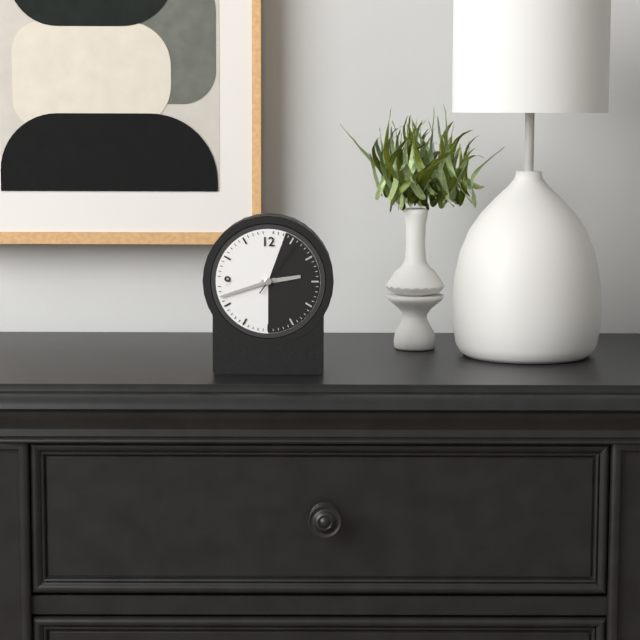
2 h 42 min 06 s
